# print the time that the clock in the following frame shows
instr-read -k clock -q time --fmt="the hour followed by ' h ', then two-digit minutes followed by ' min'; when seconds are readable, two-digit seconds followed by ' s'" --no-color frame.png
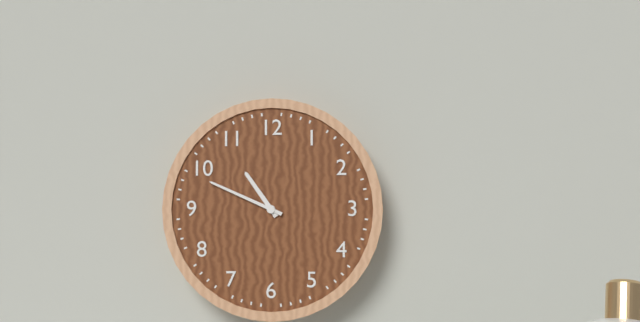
10 h 49 min
